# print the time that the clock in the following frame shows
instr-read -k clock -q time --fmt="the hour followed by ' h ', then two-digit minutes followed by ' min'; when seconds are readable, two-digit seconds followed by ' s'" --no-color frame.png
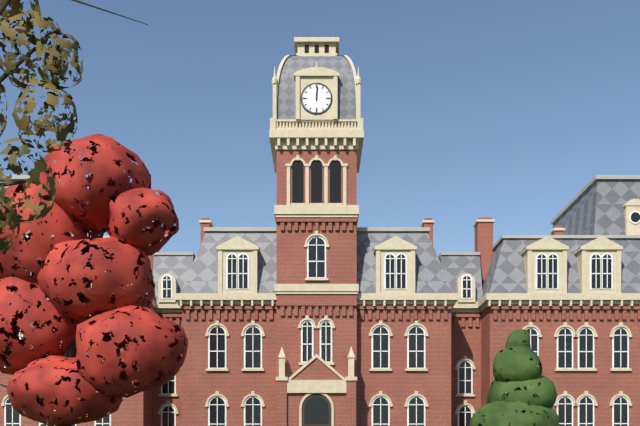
12 h 01 min
